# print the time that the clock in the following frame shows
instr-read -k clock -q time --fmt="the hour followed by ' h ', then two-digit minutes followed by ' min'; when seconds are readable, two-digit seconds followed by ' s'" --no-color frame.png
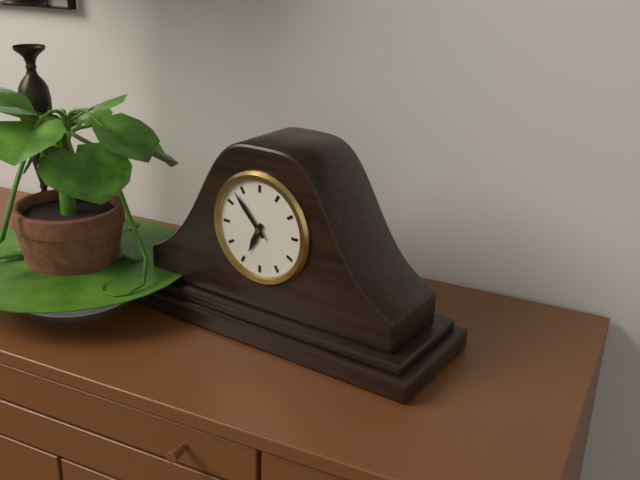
6 h 53 min
